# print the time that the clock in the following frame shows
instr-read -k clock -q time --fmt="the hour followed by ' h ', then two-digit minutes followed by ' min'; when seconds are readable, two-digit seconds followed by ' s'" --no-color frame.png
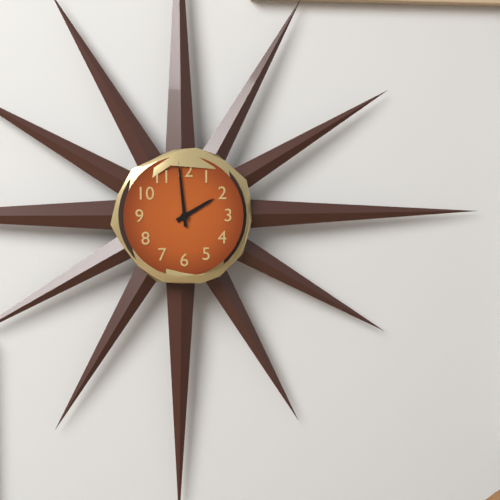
1 h 59 min
